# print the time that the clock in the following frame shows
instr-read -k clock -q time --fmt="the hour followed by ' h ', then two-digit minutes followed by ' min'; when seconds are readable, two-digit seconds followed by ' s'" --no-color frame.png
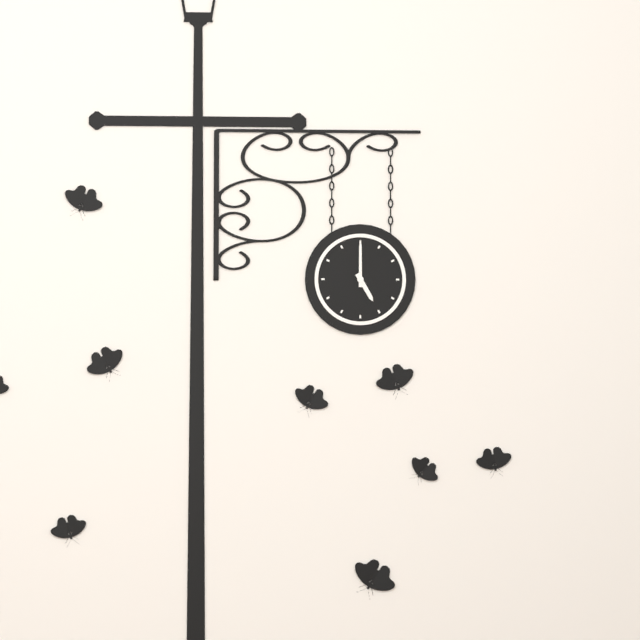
5 h 00 min
